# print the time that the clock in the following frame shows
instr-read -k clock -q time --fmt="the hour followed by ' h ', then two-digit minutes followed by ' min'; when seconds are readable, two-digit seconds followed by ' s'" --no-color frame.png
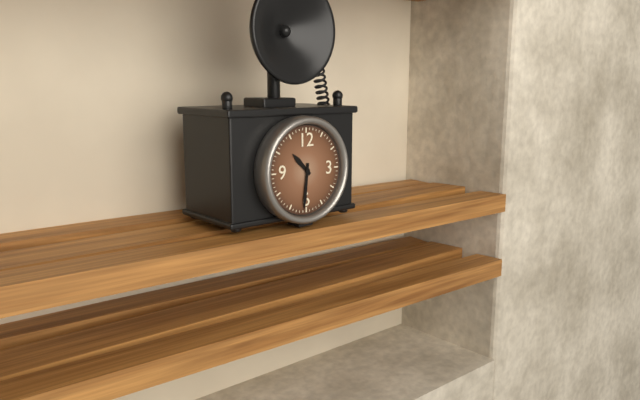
10 h 31 min
